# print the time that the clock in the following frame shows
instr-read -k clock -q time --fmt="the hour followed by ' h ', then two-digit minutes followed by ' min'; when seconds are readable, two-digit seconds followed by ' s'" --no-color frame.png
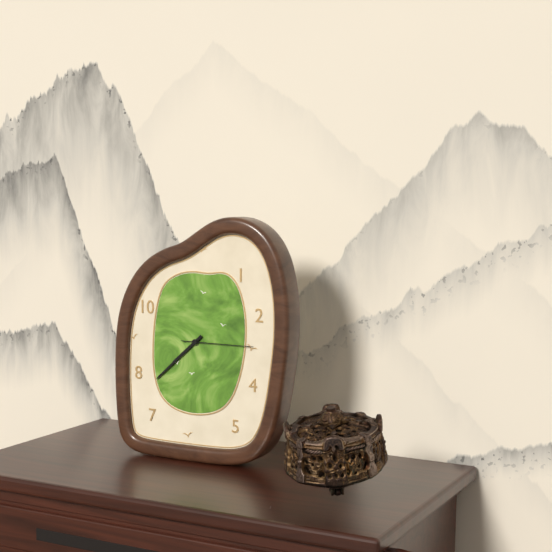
7 h 38 min 15 s
